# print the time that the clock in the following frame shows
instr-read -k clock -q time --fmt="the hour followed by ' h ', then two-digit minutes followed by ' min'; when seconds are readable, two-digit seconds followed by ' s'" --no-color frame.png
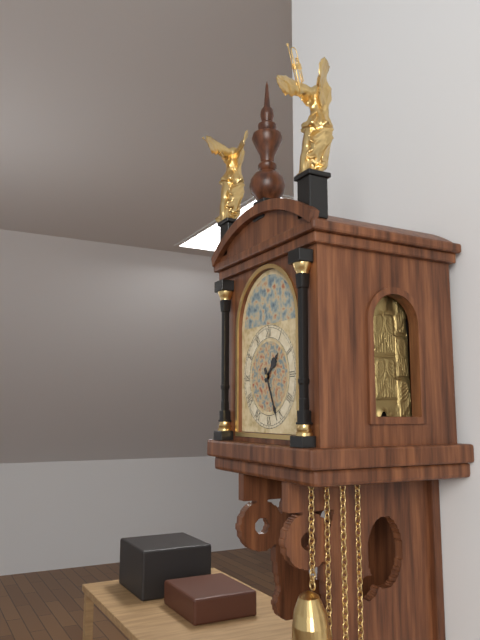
1 h 26 min
